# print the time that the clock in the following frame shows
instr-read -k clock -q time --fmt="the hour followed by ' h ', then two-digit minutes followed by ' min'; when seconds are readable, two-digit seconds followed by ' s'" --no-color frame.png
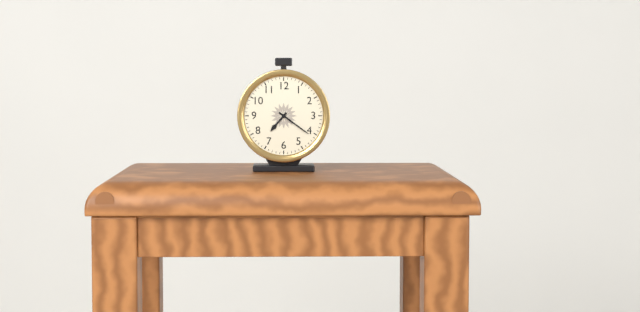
7 h 21 min
